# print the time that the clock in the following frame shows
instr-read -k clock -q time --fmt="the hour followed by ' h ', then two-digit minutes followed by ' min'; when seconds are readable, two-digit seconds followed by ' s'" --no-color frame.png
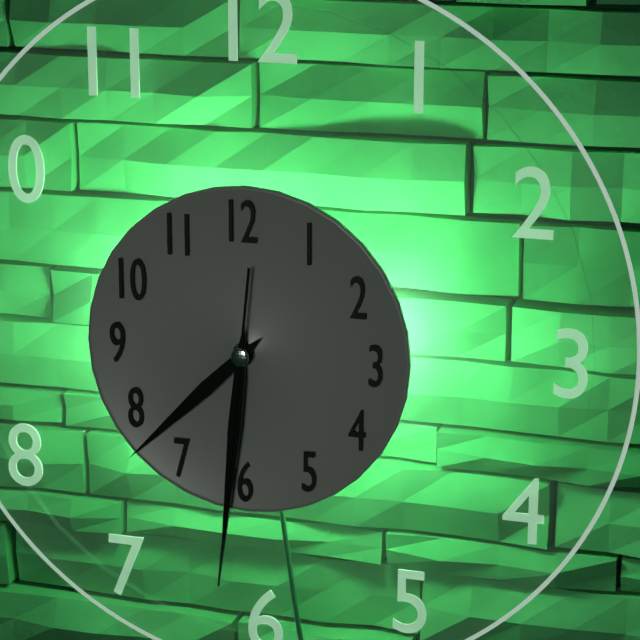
7 h 31 min 31 s
